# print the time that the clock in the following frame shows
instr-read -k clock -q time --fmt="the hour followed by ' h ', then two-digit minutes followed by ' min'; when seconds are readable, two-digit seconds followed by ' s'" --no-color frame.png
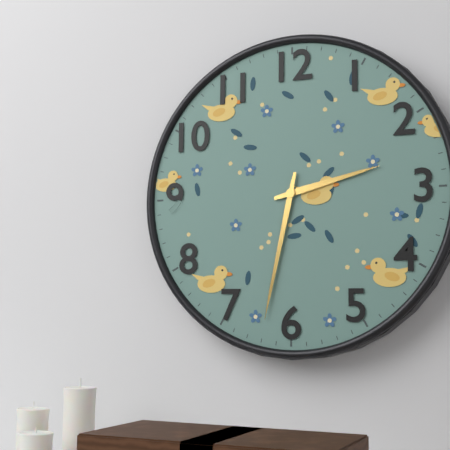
2 h 32 min
